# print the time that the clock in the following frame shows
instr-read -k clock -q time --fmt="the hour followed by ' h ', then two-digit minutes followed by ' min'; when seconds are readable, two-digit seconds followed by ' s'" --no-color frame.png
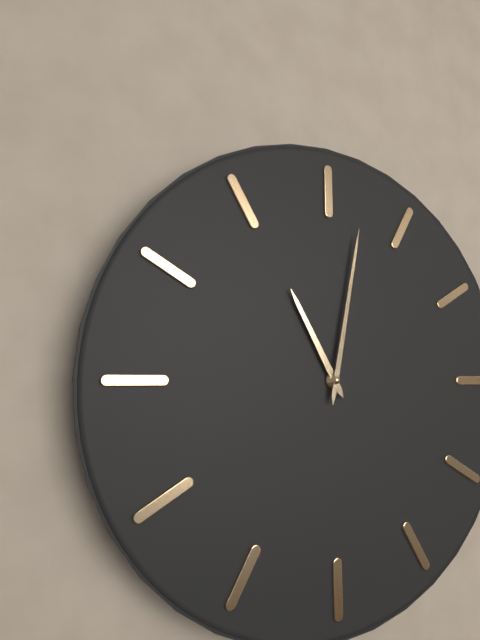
11 h 02 min
